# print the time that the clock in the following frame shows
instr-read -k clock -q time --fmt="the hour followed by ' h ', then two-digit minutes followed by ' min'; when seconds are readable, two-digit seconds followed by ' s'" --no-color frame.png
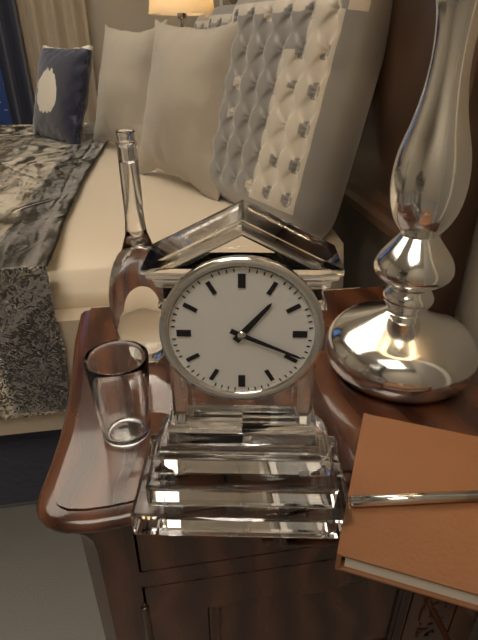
1 h 19 min
